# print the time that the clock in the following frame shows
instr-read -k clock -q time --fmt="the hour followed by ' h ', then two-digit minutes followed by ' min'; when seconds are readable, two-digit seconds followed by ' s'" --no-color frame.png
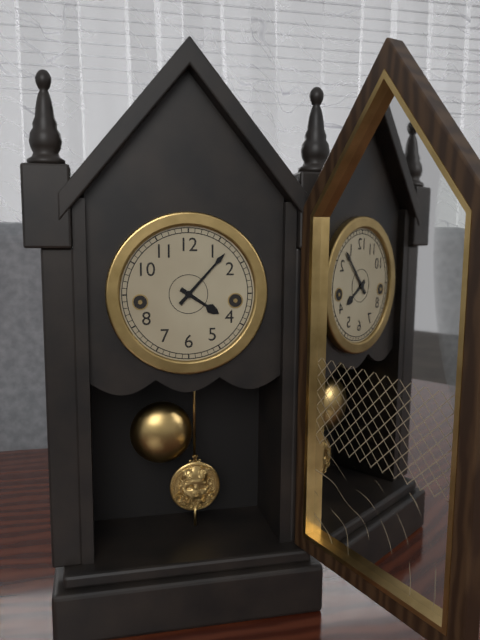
4 h 07 min
